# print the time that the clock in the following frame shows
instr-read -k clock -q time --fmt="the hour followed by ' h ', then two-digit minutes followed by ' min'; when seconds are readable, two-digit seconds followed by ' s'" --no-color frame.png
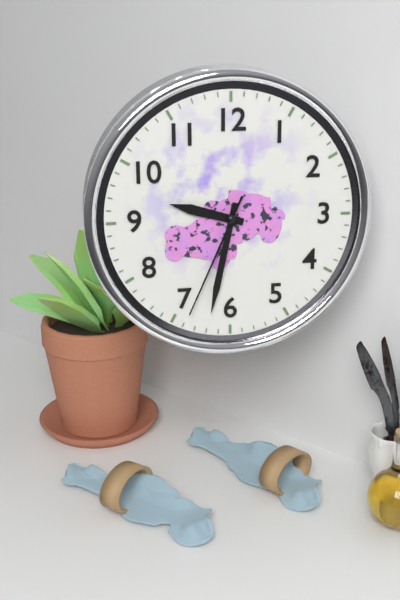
9 h 32 min 34 s
